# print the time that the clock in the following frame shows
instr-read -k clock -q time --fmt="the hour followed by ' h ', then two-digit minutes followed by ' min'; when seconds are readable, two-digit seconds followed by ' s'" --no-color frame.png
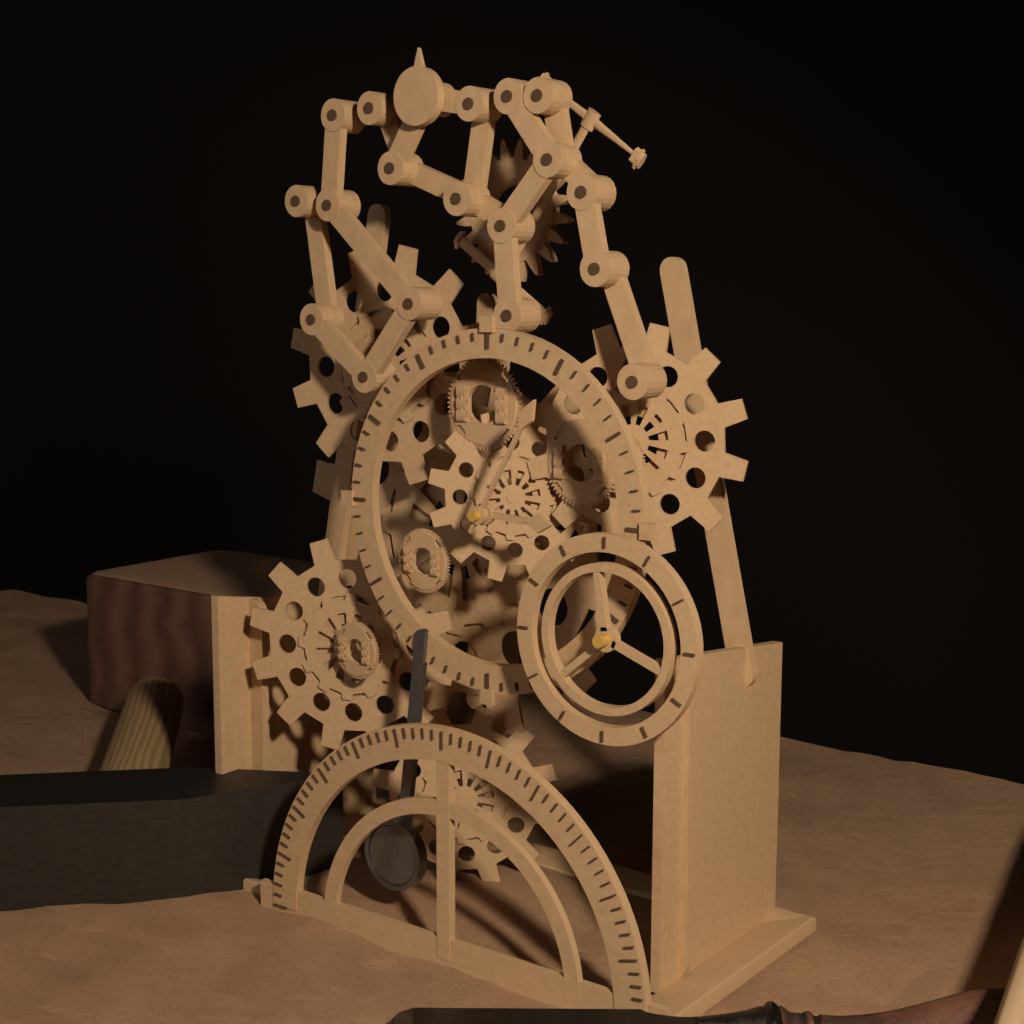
3 h 05 min
